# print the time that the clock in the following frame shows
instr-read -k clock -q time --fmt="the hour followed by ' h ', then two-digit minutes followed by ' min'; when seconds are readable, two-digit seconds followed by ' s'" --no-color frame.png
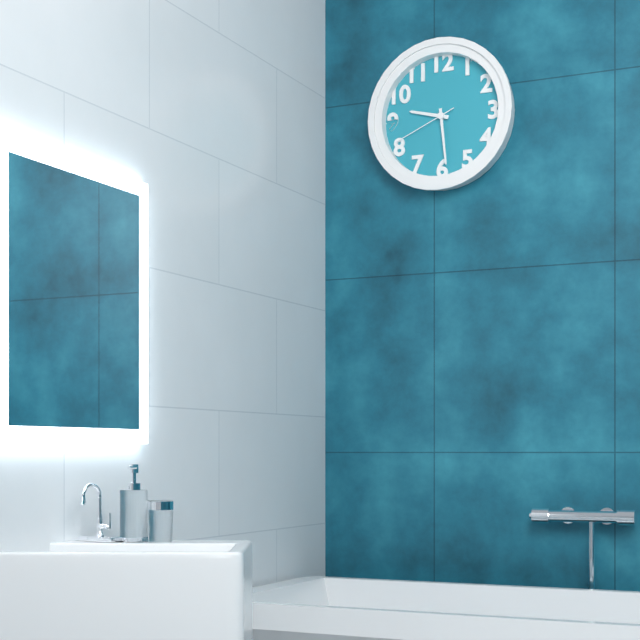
9 h 29 min 41 s
